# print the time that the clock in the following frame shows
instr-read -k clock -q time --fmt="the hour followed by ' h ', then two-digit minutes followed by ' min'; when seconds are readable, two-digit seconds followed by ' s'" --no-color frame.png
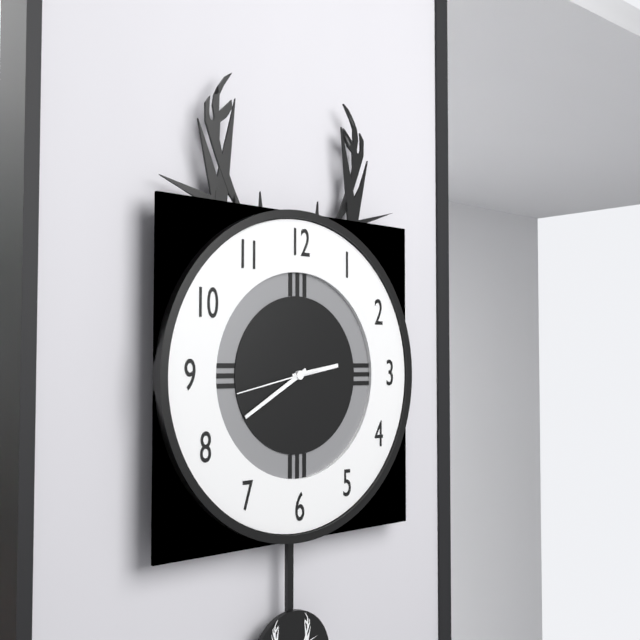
2 h 40 min 43 s
